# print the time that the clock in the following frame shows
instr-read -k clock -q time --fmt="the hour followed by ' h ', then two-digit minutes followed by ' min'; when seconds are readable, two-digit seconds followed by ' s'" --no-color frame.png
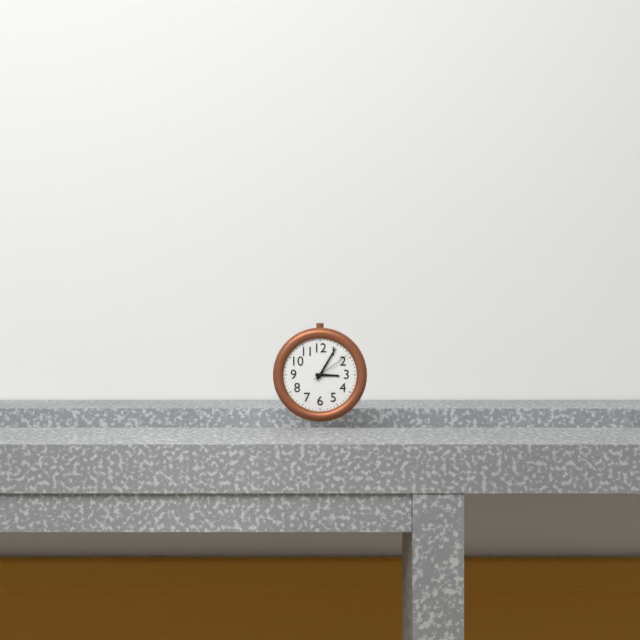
3 h 05 min
